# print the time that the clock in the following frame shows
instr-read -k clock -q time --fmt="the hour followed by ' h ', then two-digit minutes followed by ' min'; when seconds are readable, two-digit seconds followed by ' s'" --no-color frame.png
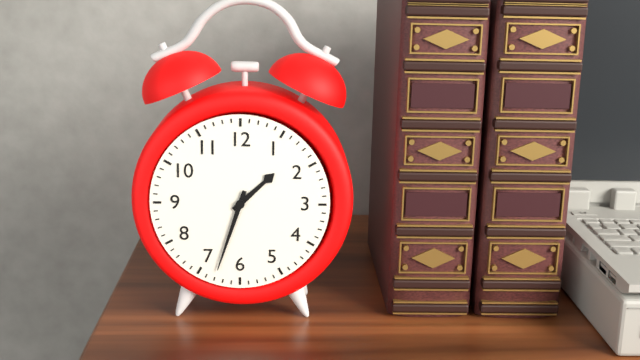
1 h 33 min
